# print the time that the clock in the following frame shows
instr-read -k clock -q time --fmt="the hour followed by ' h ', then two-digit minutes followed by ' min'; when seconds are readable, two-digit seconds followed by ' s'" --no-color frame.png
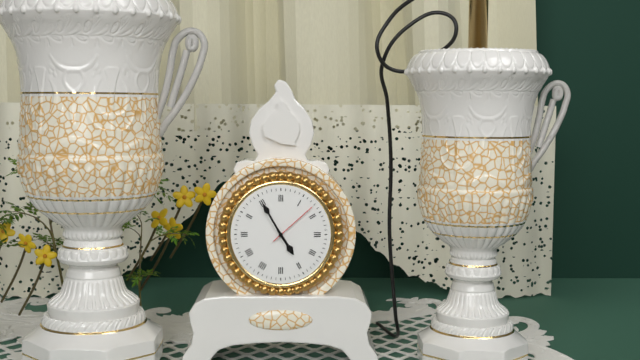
4 h 55 min 08 s
